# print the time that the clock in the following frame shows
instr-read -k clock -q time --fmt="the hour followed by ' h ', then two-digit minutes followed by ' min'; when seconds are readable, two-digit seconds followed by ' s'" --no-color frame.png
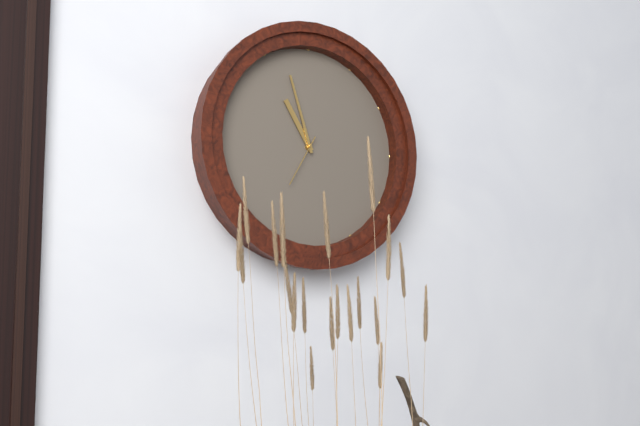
10 h 57 min 35 s
